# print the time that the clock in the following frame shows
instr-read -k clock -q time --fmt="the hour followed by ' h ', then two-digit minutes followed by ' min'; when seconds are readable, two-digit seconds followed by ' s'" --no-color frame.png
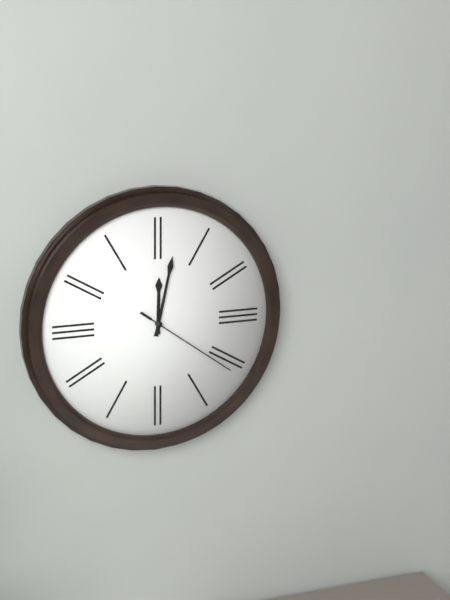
12 h 02 min 21 s
